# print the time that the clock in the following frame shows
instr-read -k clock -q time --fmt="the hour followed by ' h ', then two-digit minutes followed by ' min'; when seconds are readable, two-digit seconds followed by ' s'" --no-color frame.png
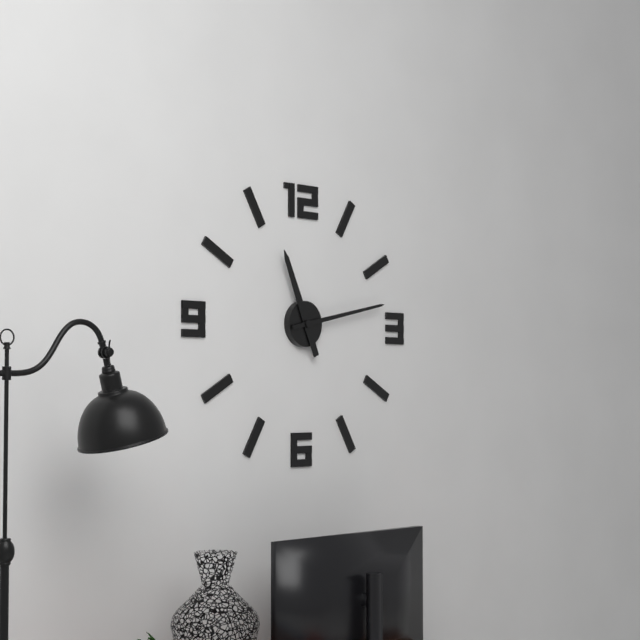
11 h 13 min
